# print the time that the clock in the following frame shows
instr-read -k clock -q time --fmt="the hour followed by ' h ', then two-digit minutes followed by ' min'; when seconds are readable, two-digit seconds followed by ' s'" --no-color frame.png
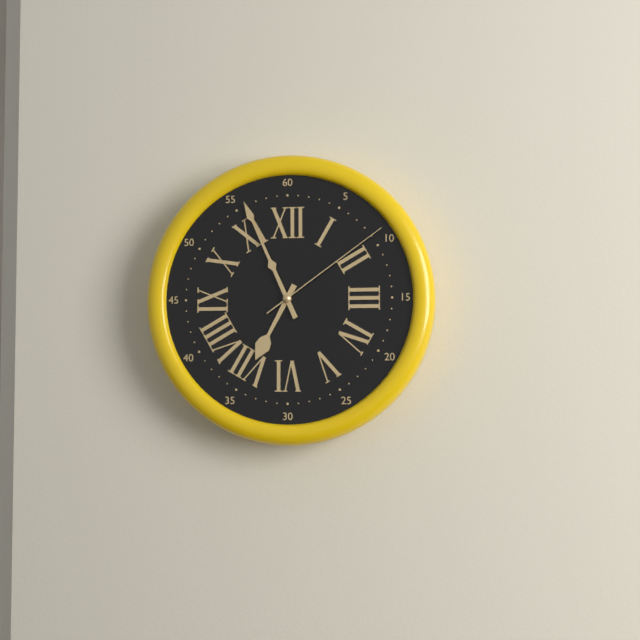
6 h 56 min 09 s
